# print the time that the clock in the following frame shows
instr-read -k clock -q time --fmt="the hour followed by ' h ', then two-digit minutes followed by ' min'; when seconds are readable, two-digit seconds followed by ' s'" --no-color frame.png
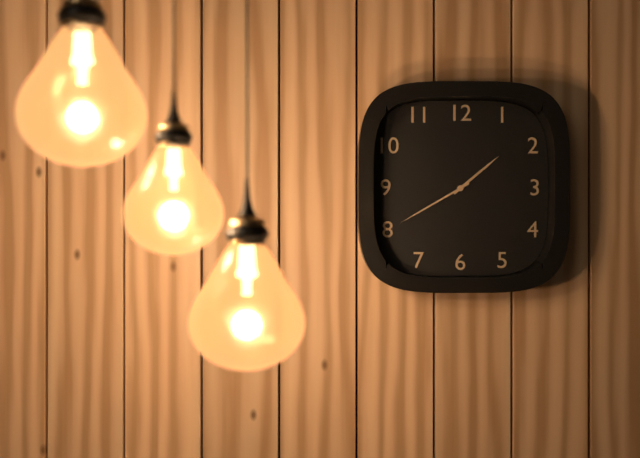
1 h 40 min
